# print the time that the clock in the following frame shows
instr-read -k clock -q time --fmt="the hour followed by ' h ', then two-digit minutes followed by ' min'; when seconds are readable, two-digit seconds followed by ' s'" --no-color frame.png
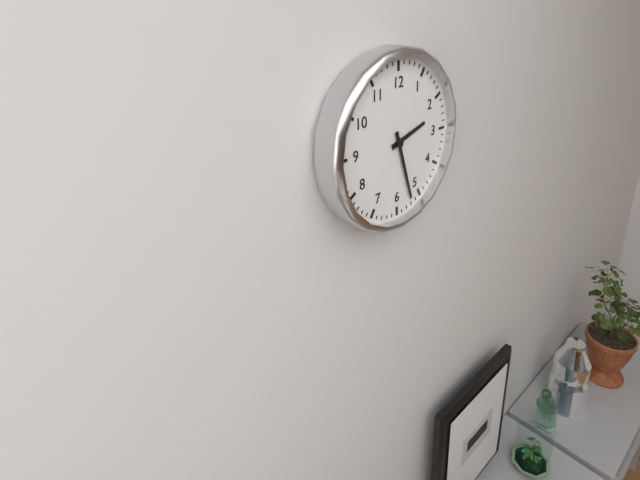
2 h 27 min
